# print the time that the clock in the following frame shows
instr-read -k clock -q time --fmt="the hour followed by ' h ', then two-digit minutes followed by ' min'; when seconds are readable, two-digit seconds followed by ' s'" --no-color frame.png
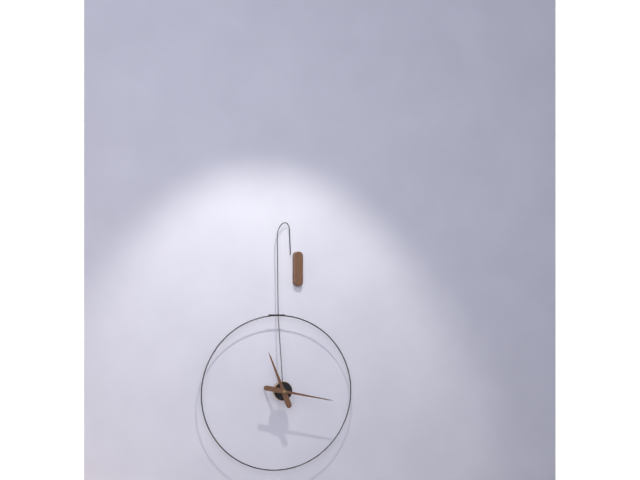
11 h 17 min
